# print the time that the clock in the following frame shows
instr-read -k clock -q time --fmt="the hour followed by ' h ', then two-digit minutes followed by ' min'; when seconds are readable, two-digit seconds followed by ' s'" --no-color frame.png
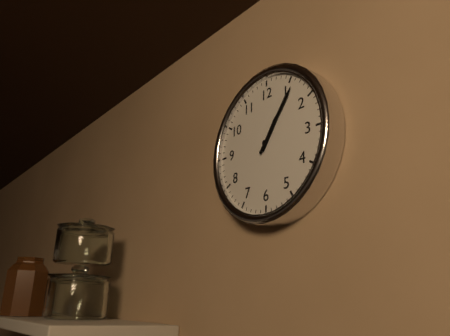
1 h 06 min
